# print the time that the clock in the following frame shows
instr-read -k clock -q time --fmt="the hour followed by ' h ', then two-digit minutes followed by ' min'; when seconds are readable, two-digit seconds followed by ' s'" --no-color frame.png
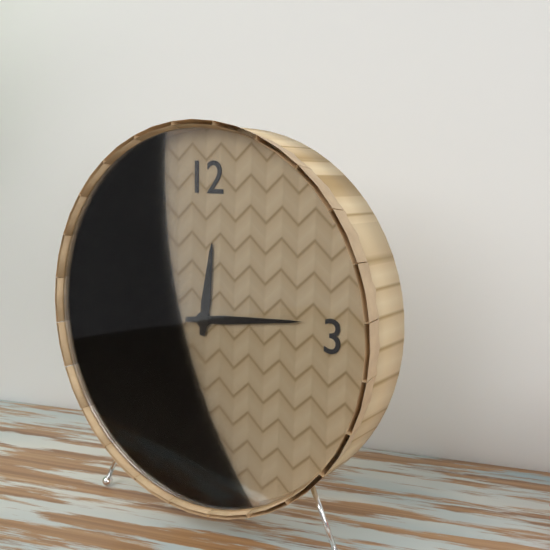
12 h 14 min
